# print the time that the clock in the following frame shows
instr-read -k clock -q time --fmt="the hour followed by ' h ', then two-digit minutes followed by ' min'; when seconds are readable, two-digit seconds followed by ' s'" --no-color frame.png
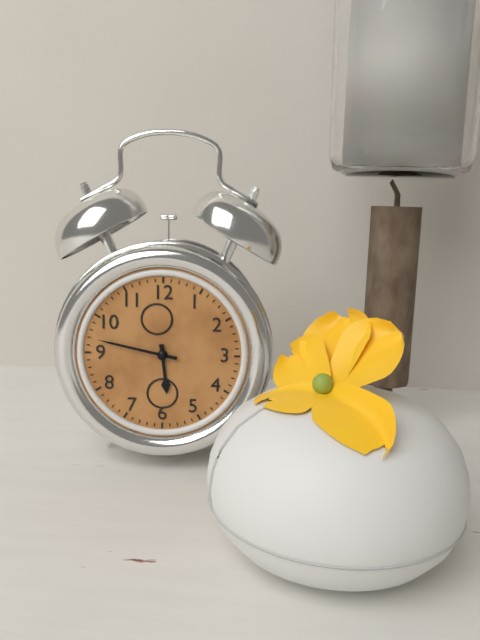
5 h 47 min
